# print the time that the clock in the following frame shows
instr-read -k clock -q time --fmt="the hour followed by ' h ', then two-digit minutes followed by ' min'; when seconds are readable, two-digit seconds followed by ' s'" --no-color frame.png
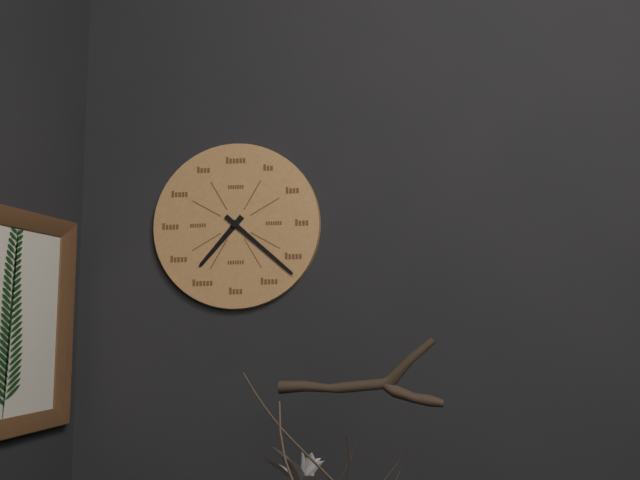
7 h 22 min
